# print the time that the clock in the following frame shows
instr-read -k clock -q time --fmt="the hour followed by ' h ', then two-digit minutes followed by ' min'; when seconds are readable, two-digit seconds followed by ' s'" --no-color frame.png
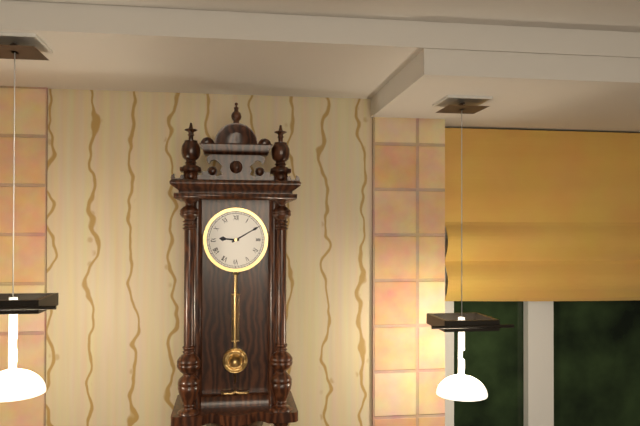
9 h 10 min
